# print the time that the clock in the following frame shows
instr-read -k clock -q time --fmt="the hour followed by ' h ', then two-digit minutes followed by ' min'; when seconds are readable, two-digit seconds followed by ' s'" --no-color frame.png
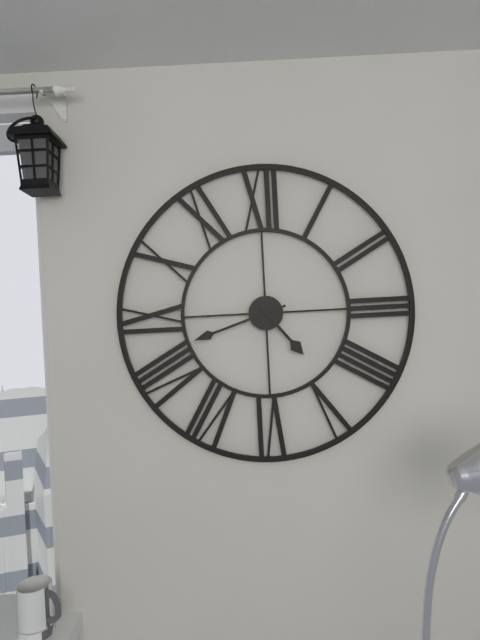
4 h 42 min
